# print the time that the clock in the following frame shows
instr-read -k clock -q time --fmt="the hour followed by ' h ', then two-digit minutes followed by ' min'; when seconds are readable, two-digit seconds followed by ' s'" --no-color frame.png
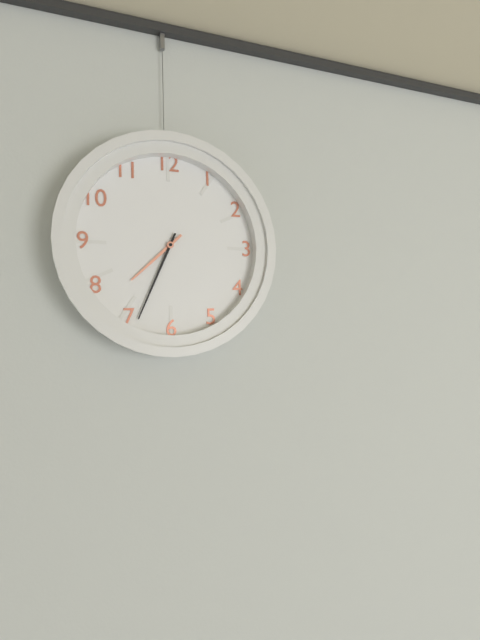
7 h 34 min
